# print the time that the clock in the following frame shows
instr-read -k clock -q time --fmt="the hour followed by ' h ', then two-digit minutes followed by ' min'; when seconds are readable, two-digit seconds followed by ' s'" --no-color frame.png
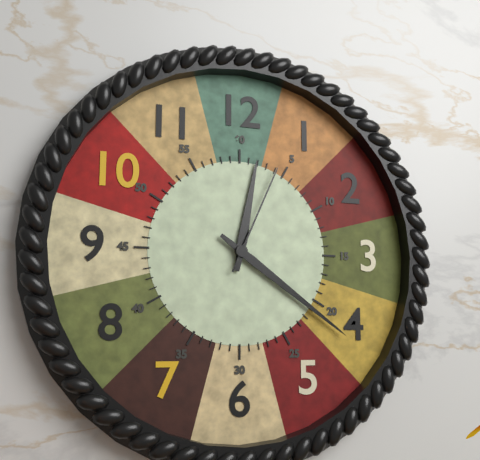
12 h 21 min 04 s
